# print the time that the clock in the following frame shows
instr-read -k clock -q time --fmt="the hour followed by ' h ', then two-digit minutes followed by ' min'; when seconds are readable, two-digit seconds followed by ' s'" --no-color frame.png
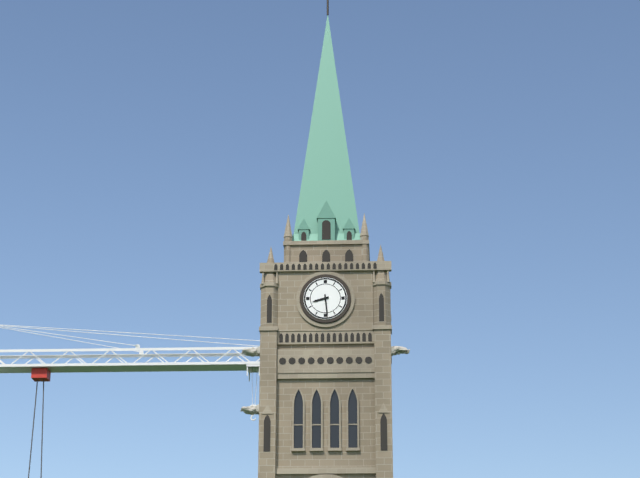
8 h 29 min
